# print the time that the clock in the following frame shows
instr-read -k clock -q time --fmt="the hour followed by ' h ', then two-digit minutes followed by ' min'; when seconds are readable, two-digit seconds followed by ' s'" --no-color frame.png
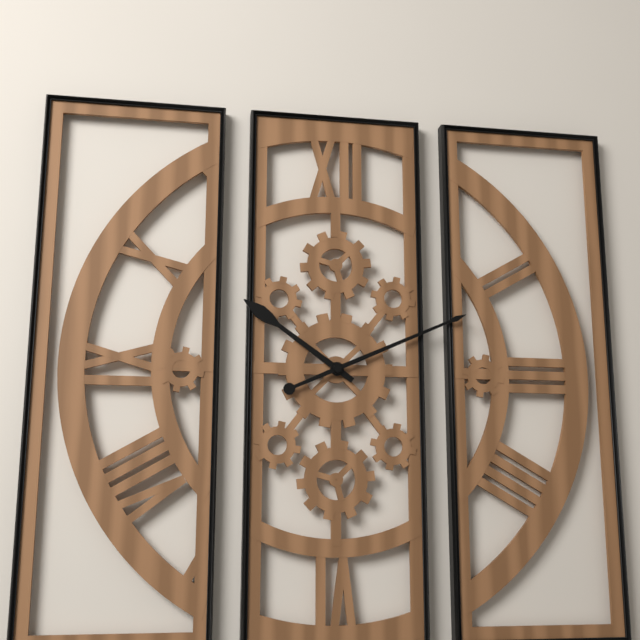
10 h 11 min
